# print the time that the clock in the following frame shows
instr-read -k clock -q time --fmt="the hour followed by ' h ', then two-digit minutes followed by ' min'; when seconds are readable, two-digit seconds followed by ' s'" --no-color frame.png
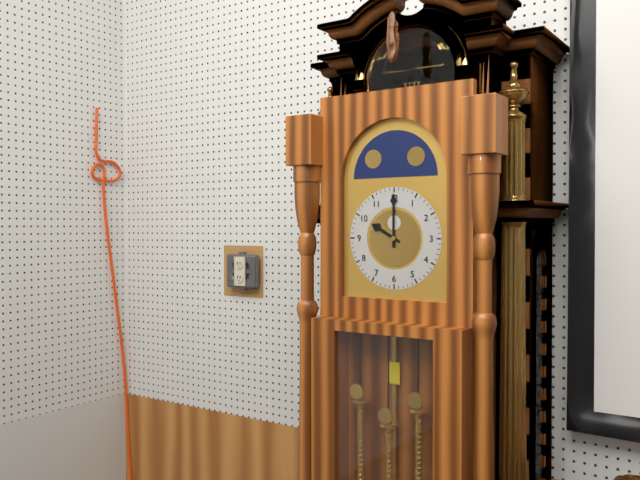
10 h 00 min
